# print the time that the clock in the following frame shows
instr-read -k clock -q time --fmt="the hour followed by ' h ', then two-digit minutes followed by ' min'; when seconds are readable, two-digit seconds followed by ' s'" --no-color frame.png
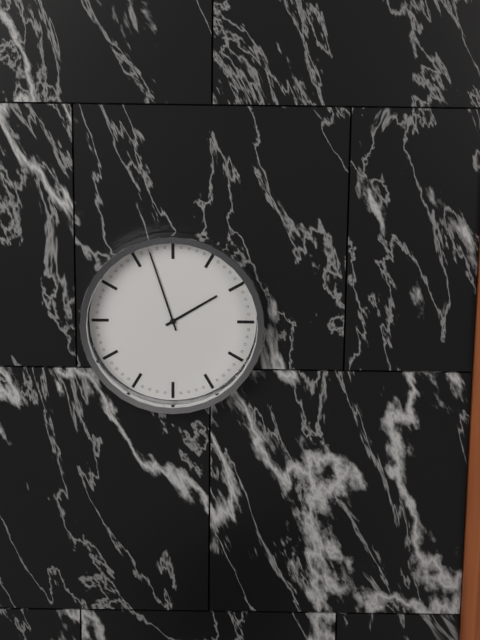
1 h 57 min
